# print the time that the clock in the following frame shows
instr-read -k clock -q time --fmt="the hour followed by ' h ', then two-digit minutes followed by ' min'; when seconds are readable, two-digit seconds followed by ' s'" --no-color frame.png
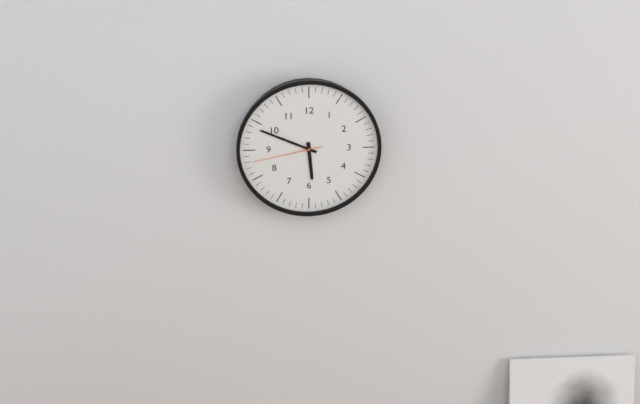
5 h 49 min 43 s
